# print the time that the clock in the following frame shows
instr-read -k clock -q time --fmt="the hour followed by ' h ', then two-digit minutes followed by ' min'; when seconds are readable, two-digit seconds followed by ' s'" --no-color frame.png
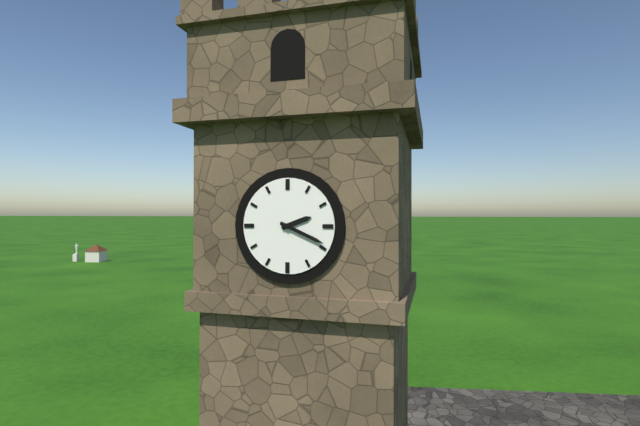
2 h 19 min
